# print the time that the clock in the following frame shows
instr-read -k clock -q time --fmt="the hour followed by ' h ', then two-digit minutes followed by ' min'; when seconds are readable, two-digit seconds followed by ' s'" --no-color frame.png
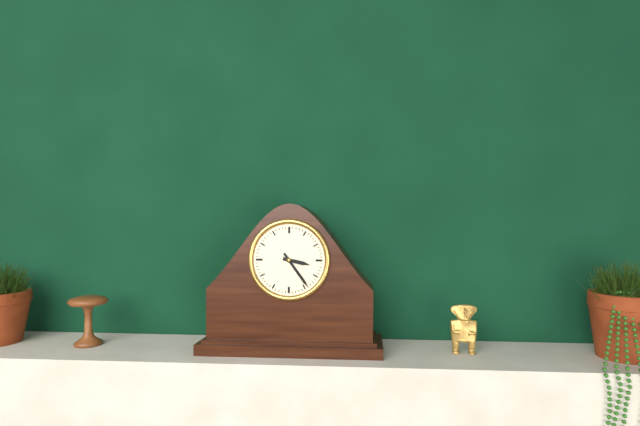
3 h 24 min
